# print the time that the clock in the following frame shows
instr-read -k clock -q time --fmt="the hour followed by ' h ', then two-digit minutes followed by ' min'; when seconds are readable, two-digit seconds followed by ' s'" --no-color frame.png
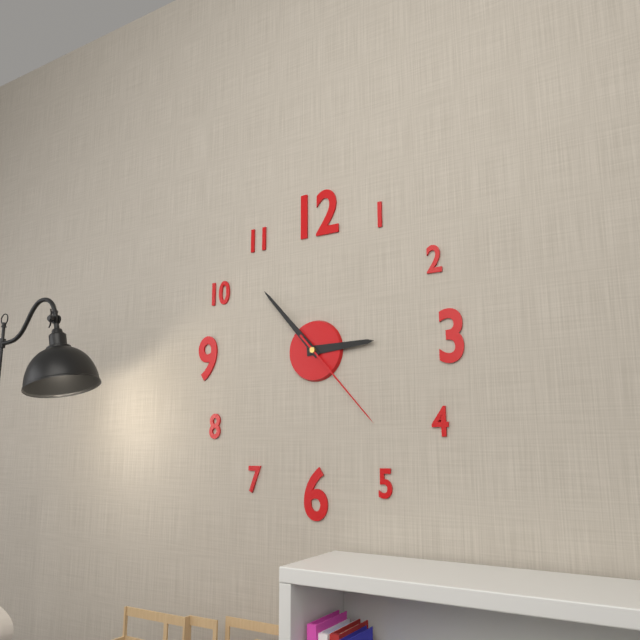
2 h 53 min 23 s
